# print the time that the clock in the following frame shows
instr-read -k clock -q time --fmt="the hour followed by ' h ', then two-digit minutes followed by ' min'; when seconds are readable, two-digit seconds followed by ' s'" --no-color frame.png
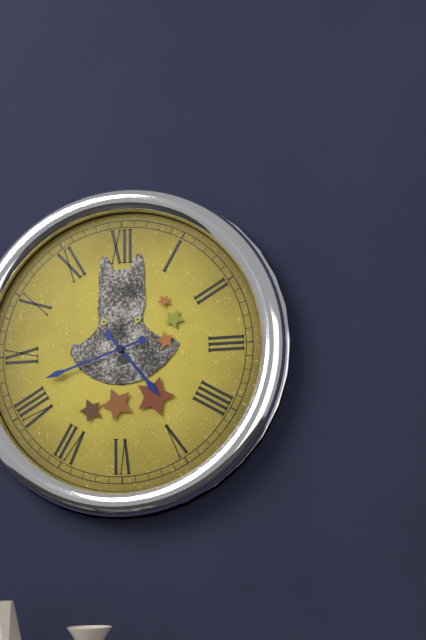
4 h 42 min
